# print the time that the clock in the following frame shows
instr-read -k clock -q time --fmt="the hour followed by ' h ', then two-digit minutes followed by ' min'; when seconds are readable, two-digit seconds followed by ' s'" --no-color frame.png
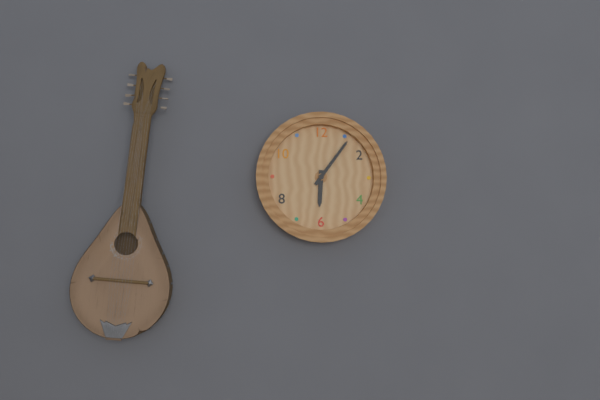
6 h 06 min
